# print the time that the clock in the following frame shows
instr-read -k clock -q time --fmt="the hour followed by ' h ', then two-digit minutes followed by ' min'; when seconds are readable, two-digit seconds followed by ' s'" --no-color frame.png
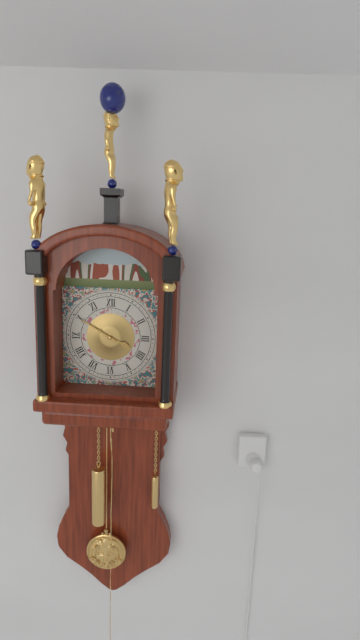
3 h 50 min
